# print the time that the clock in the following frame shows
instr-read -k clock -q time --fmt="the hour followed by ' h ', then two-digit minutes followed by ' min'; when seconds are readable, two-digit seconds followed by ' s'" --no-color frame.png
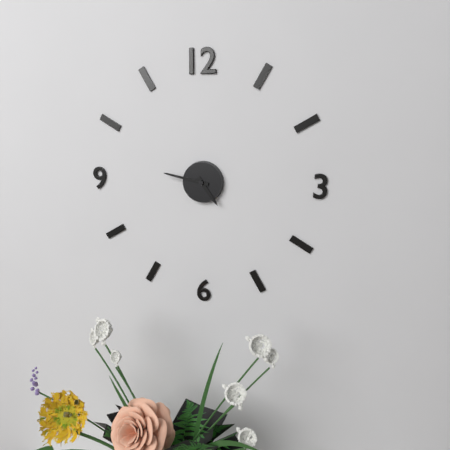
4 h 47 min
